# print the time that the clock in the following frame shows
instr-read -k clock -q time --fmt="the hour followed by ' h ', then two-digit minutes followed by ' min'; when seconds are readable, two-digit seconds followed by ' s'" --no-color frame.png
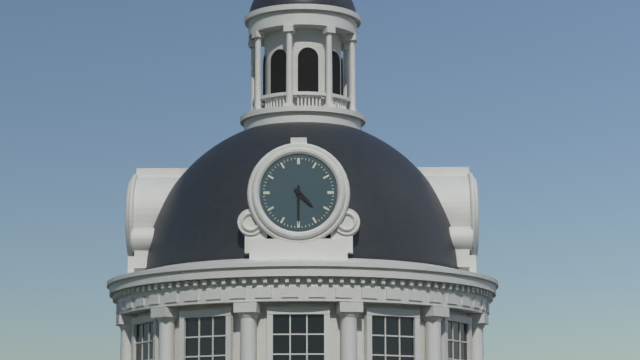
4 h 30 min
